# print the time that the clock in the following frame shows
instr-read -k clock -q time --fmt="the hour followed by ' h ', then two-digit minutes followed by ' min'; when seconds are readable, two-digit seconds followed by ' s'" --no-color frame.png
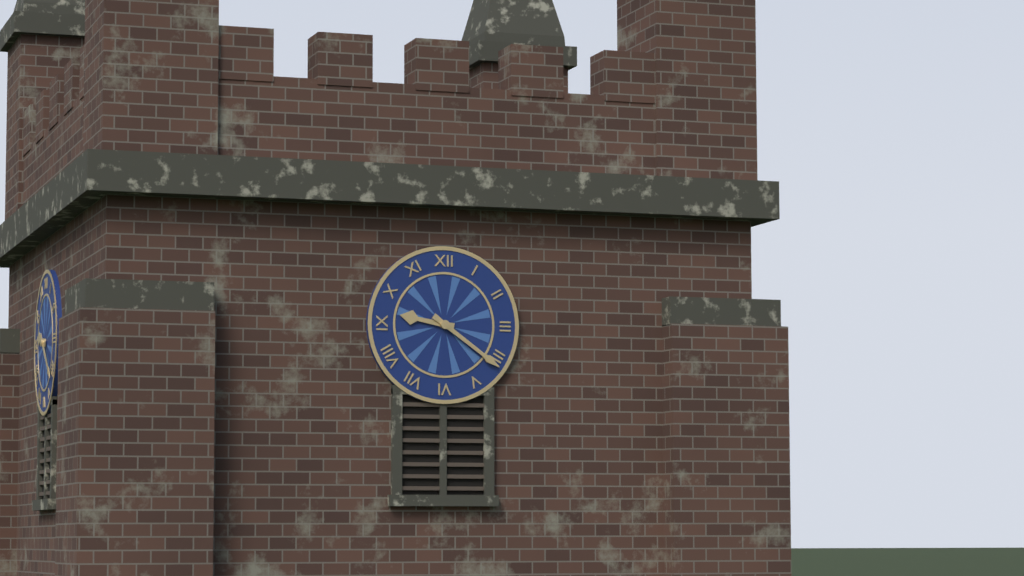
9 h 21 min
